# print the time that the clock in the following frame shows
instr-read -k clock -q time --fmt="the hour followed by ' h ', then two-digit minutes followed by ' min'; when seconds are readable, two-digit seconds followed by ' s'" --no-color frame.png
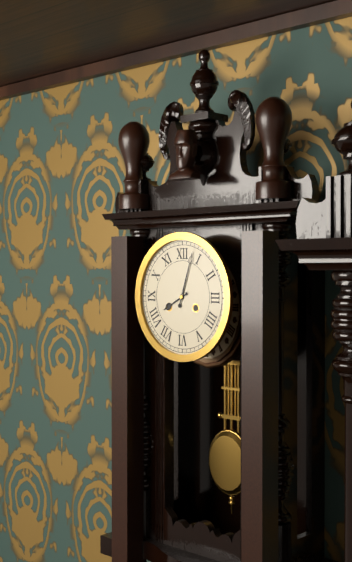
8 h 03 min
